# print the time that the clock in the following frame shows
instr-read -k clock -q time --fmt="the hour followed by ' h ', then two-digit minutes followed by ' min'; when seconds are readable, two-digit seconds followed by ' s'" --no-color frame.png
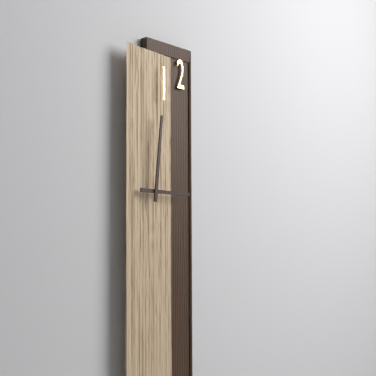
3 h 01 min
